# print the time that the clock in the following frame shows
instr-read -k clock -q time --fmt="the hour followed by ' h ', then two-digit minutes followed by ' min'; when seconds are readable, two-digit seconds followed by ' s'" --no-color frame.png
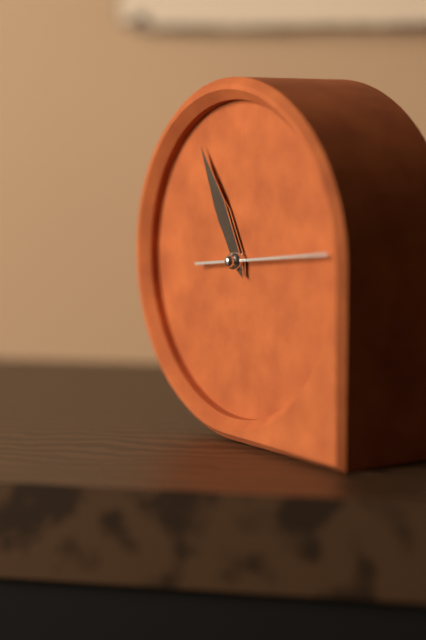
10 h 55 min 14 s
